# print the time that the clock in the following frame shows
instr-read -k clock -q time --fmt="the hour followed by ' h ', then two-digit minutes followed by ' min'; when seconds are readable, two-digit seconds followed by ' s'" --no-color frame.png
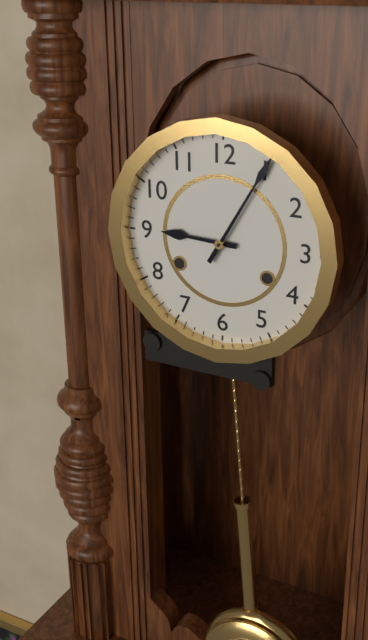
9 h 05 min
